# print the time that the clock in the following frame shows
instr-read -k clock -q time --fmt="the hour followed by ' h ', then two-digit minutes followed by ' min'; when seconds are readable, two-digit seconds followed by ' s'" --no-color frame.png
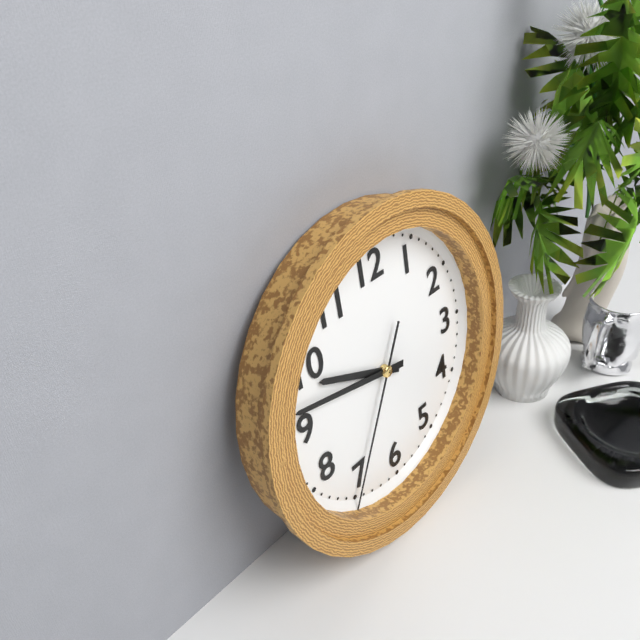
9 h 47 min 35 s
